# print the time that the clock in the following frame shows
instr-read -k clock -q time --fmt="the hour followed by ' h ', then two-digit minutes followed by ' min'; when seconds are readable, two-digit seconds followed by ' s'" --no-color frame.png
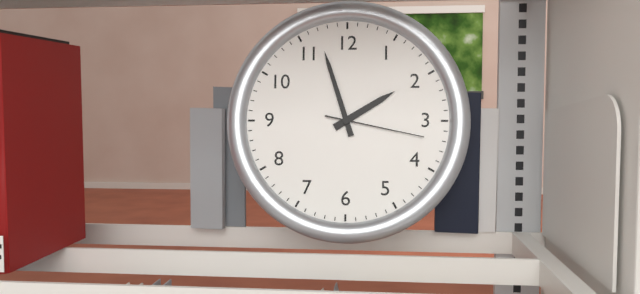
1 h 57 min 17 s
